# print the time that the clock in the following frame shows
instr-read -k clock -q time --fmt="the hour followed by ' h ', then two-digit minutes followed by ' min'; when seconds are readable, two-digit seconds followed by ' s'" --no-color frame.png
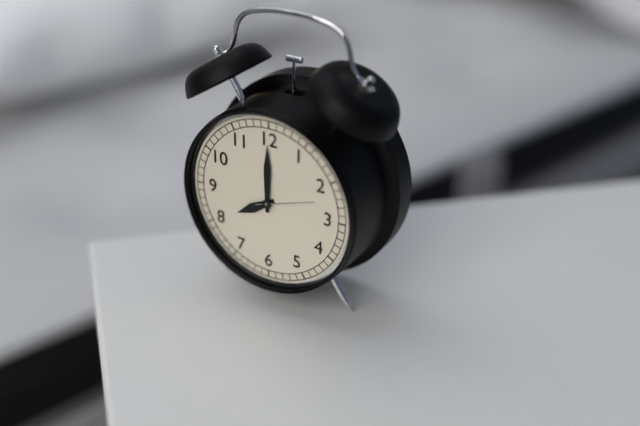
8 h 00 min 12 s
